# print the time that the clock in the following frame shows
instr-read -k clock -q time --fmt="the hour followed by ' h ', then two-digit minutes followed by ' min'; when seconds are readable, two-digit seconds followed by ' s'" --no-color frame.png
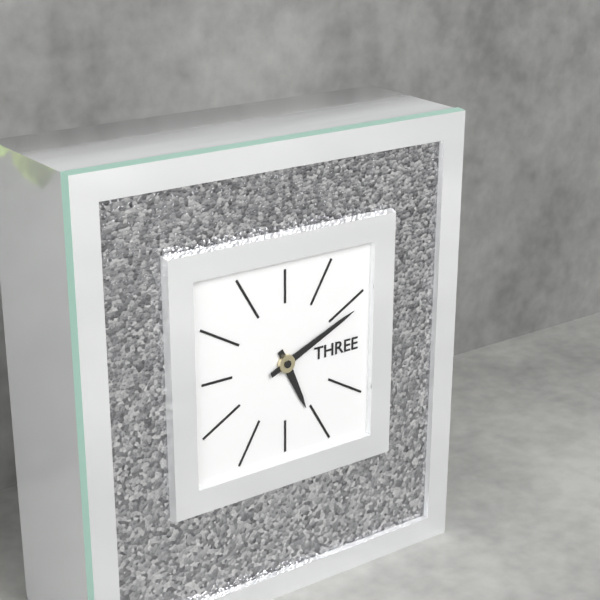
5 h 11 min
